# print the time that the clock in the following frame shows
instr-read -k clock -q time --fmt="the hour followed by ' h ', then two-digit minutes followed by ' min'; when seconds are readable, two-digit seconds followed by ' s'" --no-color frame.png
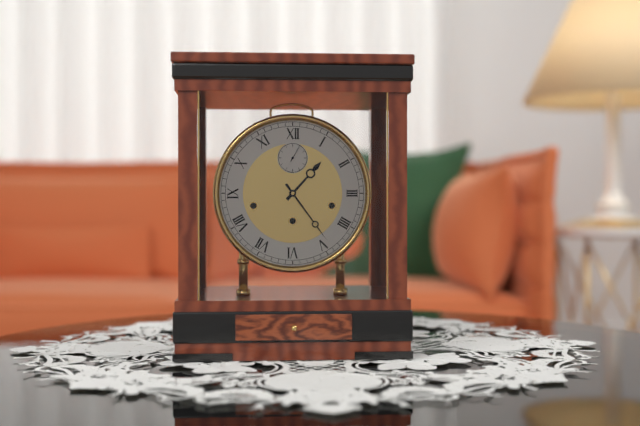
1 h 24 min
